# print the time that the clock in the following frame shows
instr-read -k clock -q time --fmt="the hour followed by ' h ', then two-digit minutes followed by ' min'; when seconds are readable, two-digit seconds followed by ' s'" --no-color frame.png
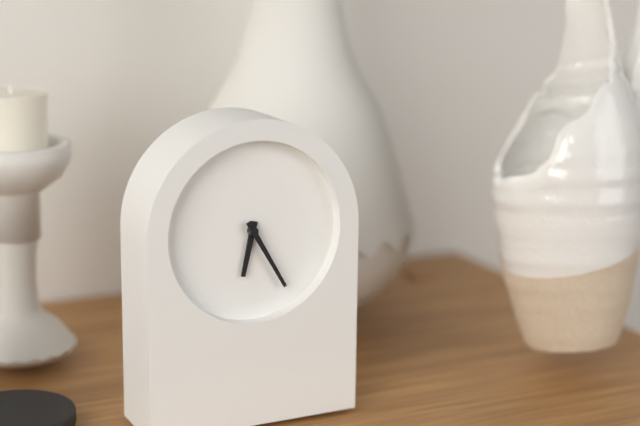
6 h 25 min
